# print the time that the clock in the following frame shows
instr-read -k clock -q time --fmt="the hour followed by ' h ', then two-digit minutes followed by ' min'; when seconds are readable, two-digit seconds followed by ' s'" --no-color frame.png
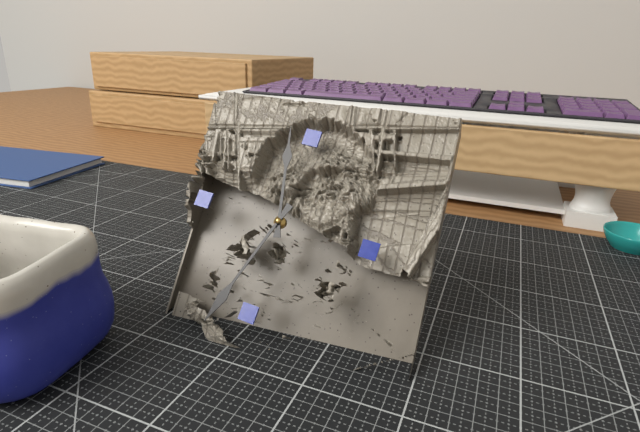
11 h 33 min
